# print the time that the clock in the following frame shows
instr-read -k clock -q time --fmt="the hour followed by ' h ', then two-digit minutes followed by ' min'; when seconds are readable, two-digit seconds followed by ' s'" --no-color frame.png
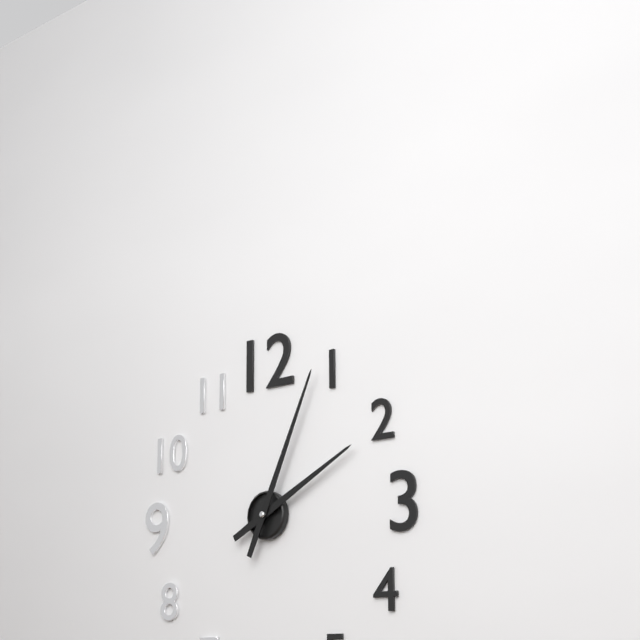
2 h 04 min
